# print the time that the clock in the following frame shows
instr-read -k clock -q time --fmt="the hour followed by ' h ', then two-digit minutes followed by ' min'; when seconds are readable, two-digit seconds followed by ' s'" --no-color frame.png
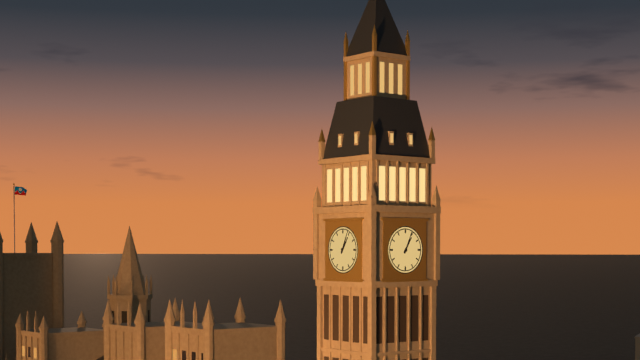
1 h 04 min
